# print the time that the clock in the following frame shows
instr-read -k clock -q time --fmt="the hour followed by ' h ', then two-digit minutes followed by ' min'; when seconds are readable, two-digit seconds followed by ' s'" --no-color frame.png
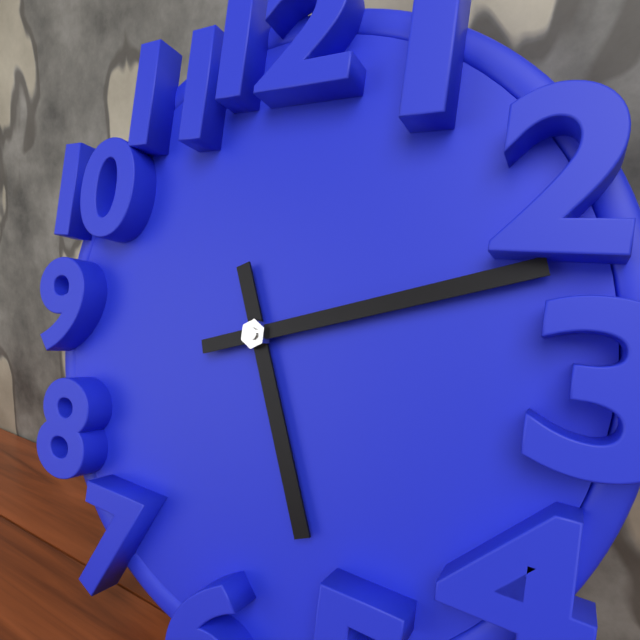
5 h 12 min
